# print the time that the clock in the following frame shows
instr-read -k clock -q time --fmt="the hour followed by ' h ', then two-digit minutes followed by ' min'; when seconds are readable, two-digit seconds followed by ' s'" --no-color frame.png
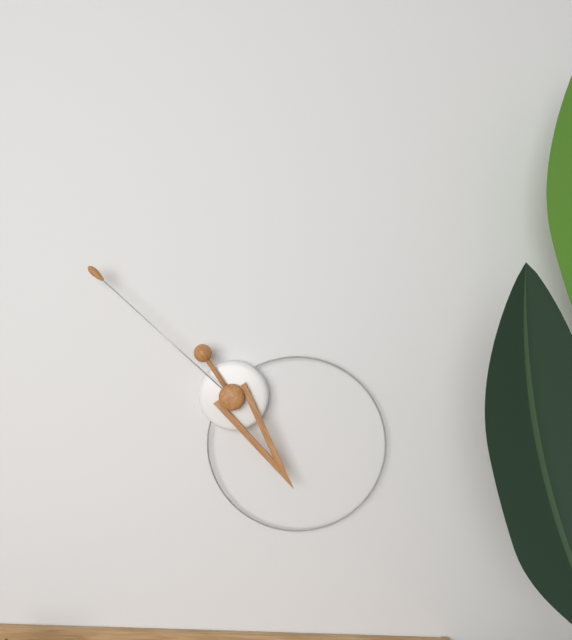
4 h 52 min
